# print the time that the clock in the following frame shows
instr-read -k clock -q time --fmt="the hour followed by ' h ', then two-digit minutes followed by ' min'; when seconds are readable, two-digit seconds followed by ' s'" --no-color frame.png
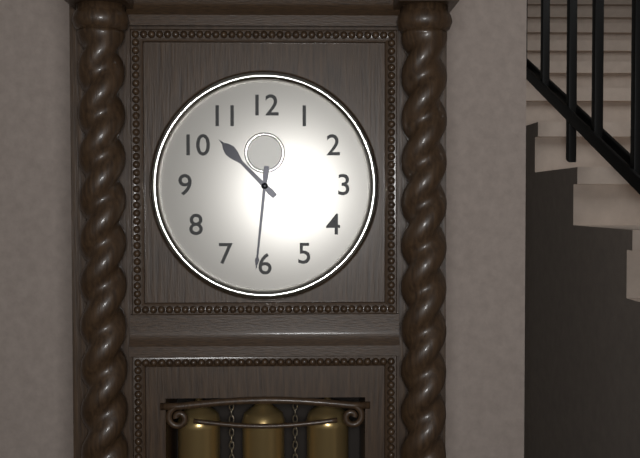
10 h 31 min
